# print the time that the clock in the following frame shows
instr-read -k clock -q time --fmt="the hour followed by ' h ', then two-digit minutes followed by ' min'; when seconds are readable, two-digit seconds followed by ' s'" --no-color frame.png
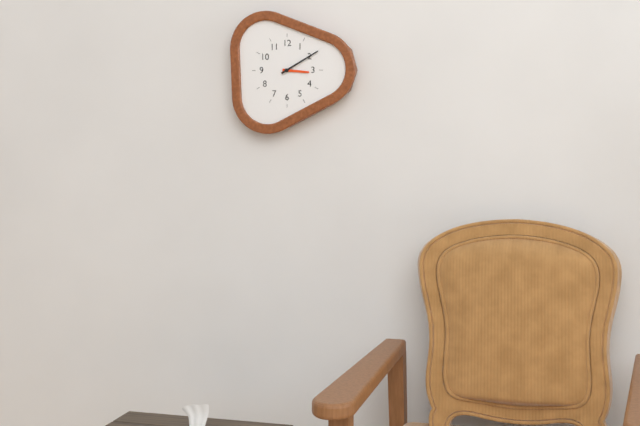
3 h 10 min
